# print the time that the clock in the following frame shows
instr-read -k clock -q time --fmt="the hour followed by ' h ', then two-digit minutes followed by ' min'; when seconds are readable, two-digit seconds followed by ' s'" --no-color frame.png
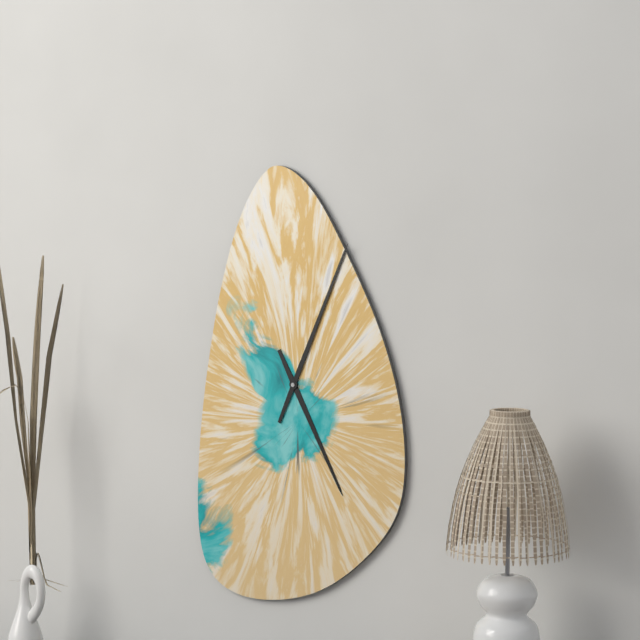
5 h 04 min
